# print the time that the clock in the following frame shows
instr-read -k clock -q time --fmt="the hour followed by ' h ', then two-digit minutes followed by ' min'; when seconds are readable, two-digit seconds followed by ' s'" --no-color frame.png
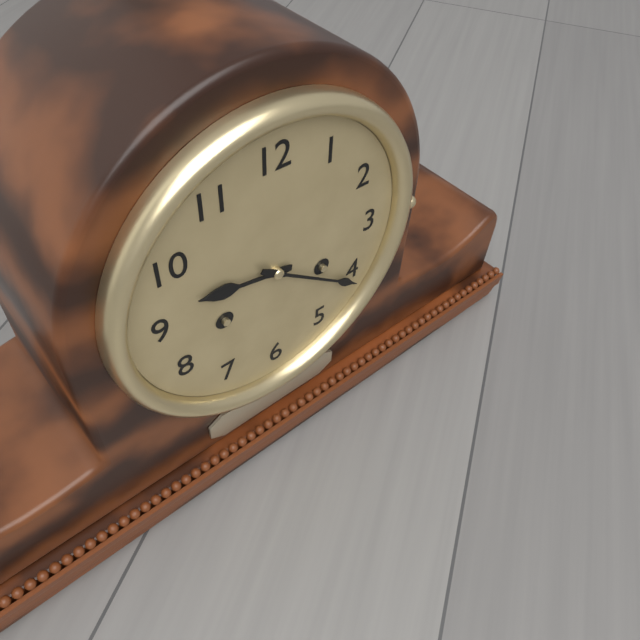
9 h 21 min
